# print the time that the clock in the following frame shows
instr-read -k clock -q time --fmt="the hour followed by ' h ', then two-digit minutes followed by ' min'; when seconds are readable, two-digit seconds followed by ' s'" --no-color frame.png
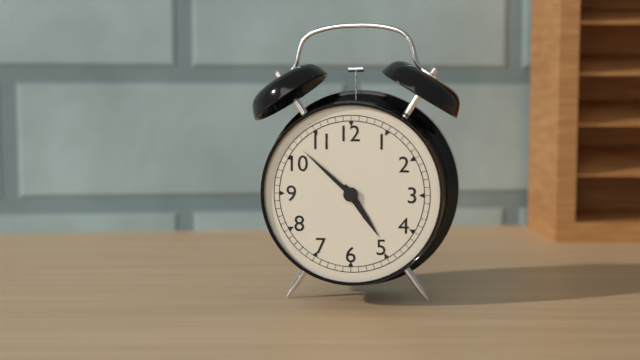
4 h 52 min
